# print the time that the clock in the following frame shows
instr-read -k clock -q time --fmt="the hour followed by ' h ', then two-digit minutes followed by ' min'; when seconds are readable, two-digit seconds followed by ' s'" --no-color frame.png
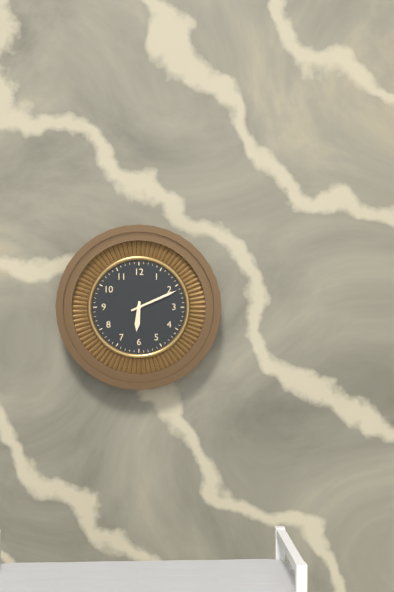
6 h 11 min
